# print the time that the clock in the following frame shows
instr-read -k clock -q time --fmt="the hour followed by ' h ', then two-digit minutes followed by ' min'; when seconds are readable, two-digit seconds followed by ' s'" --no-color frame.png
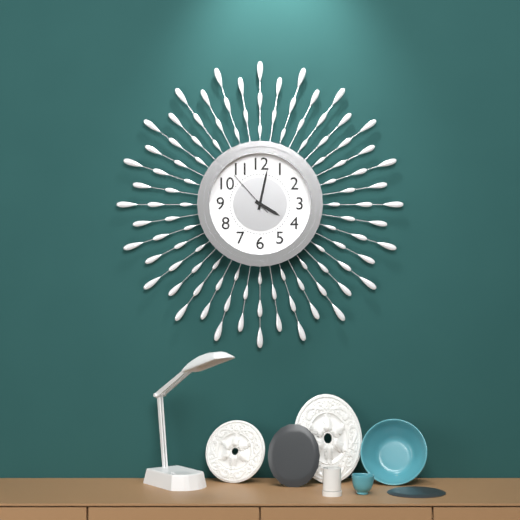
4 h 02 min
